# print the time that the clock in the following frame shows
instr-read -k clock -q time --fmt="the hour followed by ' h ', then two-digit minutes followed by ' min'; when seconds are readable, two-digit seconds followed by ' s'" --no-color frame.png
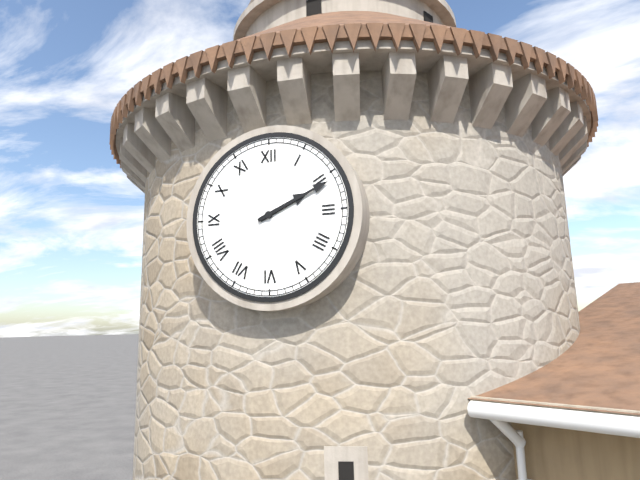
2 h 11 min
